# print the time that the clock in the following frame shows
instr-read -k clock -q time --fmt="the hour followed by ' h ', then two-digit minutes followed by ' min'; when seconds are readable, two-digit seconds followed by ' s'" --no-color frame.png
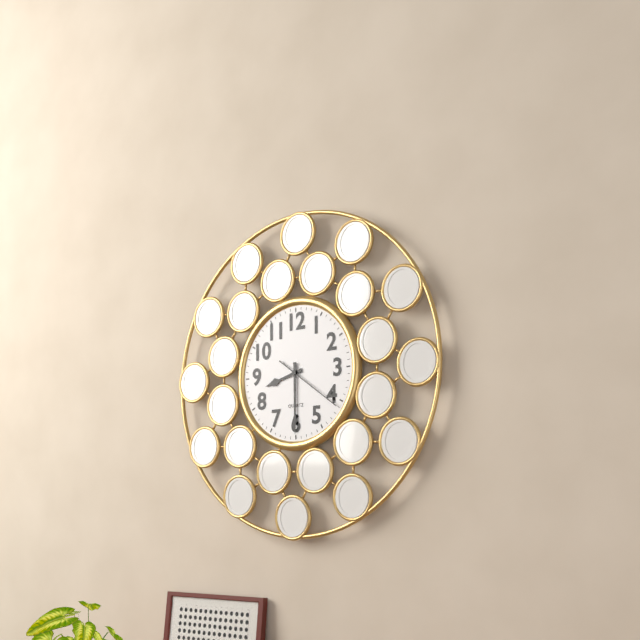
8 h 30 min 21 s
